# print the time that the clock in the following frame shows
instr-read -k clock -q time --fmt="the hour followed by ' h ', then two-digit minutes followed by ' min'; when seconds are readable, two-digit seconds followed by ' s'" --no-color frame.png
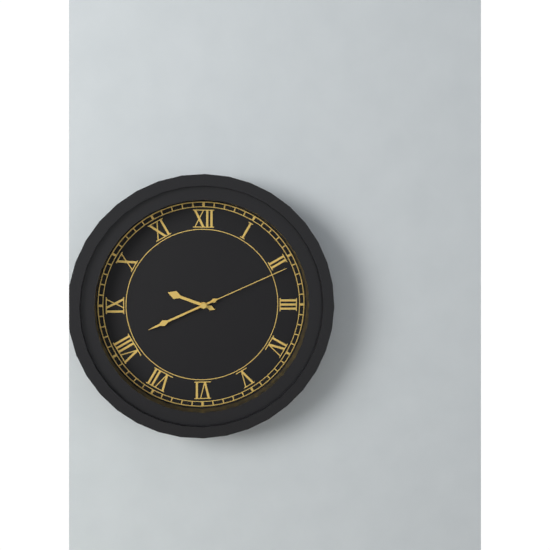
9 h 41 min 11 s
